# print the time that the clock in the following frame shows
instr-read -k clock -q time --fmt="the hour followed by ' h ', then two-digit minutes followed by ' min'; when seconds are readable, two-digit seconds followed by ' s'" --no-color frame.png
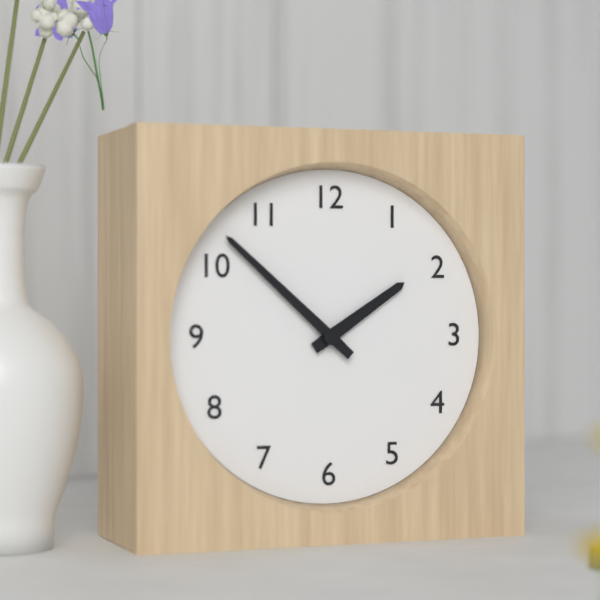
1 h 52 min
